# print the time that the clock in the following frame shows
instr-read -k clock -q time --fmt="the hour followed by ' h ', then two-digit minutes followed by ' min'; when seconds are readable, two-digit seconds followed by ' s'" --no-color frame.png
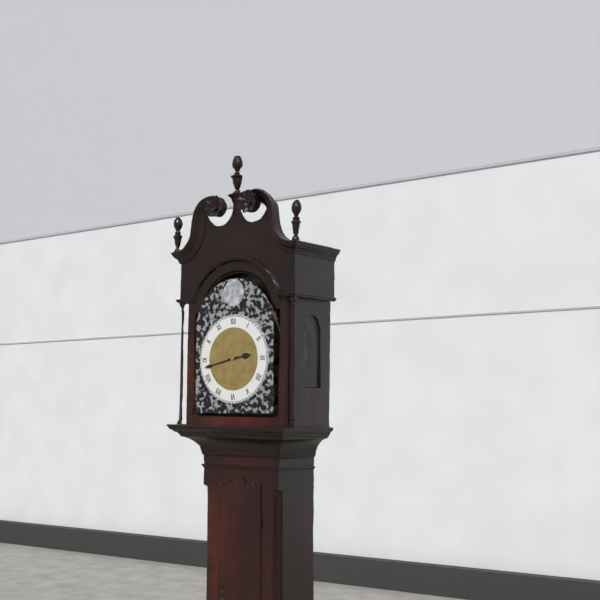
2 h 43 min
